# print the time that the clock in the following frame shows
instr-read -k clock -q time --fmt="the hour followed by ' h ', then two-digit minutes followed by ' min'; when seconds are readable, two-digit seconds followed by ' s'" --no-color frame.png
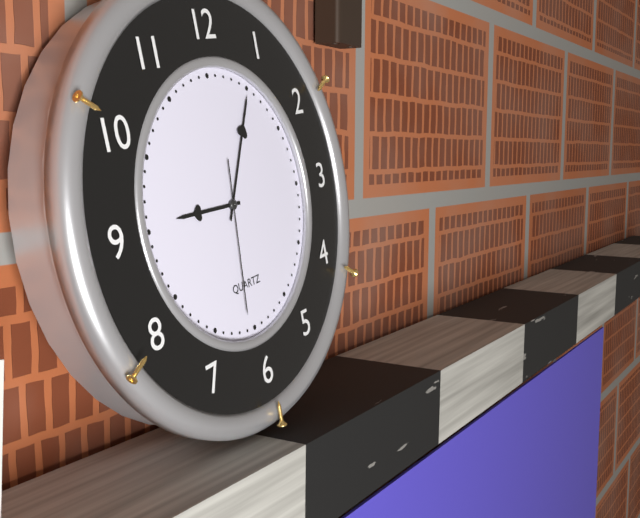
9 h 05 min 31 s
